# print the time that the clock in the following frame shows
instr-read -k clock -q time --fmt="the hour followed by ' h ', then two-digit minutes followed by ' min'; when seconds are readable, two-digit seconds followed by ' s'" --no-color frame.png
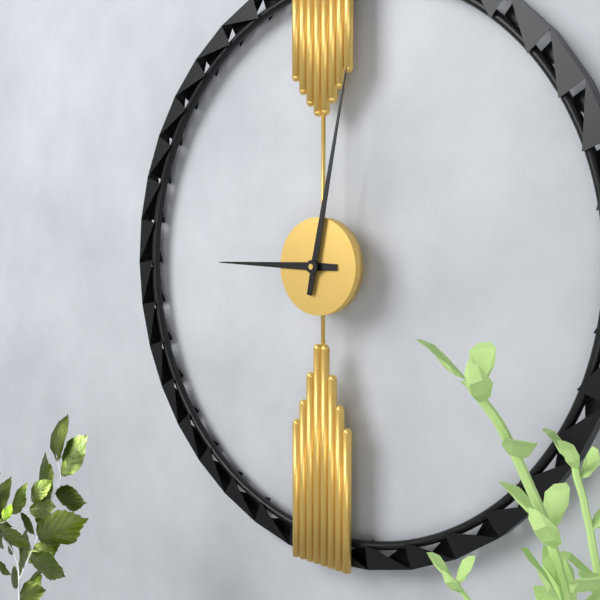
9 h 02 min
